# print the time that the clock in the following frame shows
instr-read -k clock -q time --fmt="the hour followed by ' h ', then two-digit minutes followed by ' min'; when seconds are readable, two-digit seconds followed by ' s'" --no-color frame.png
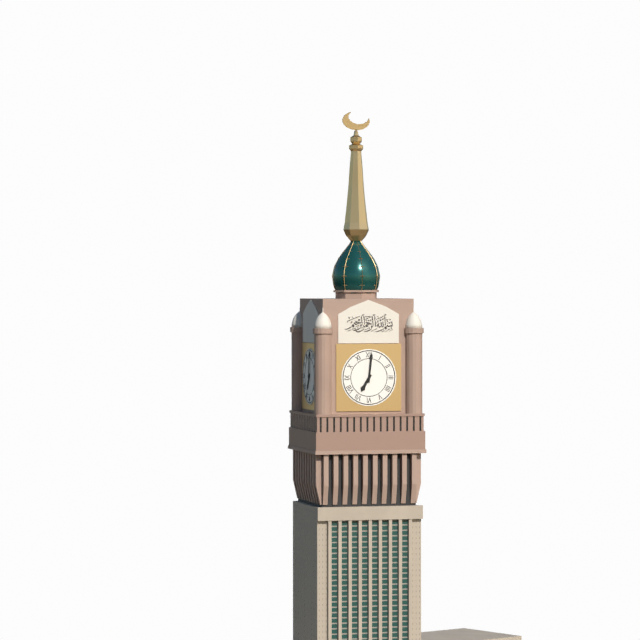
7 h 01 min
